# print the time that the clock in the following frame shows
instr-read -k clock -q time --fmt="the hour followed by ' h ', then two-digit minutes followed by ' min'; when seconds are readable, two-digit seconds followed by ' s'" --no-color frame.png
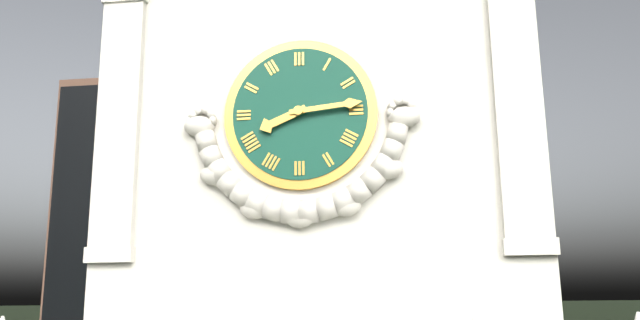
8 h 14 min
